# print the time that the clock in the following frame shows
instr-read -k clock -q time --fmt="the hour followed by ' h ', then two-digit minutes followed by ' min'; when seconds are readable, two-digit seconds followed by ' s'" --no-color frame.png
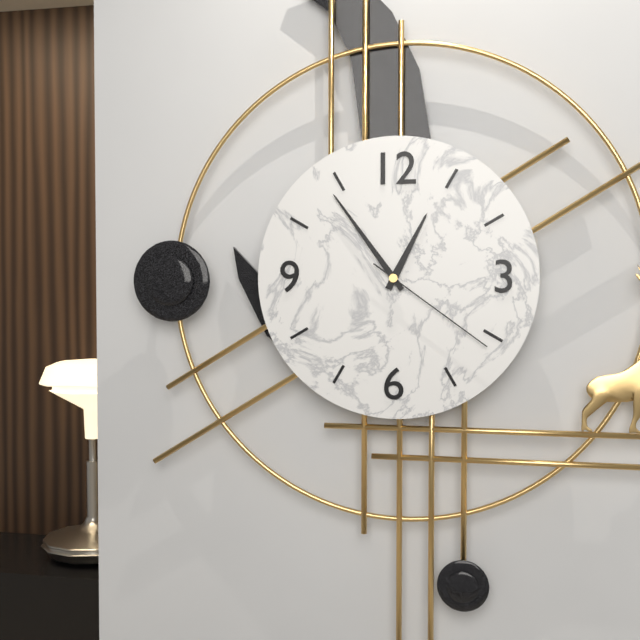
12 h 54 min 21 s
